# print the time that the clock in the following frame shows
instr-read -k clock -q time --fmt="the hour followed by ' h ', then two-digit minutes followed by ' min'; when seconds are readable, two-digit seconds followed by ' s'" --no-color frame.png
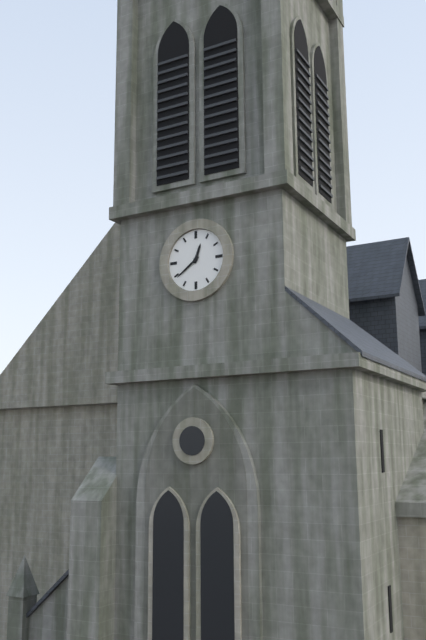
12 h 39 min
